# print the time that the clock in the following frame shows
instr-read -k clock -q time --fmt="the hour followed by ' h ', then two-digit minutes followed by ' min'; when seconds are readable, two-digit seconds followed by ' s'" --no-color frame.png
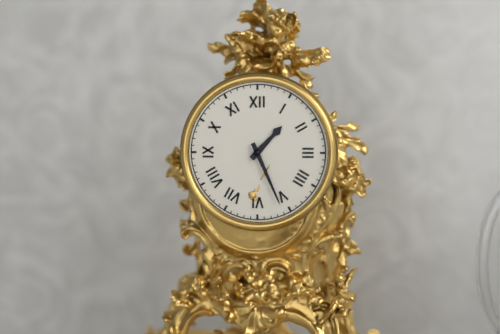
1 h 26 min
